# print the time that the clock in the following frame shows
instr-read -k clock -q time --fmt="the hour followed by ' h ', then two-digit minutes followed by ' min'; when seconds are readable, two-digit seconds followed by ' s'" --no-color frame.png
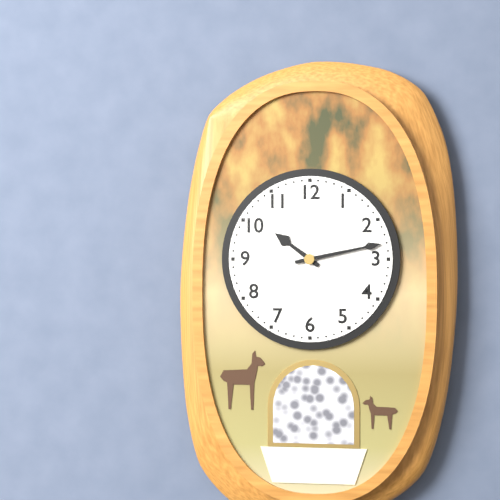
10 h 13 min
